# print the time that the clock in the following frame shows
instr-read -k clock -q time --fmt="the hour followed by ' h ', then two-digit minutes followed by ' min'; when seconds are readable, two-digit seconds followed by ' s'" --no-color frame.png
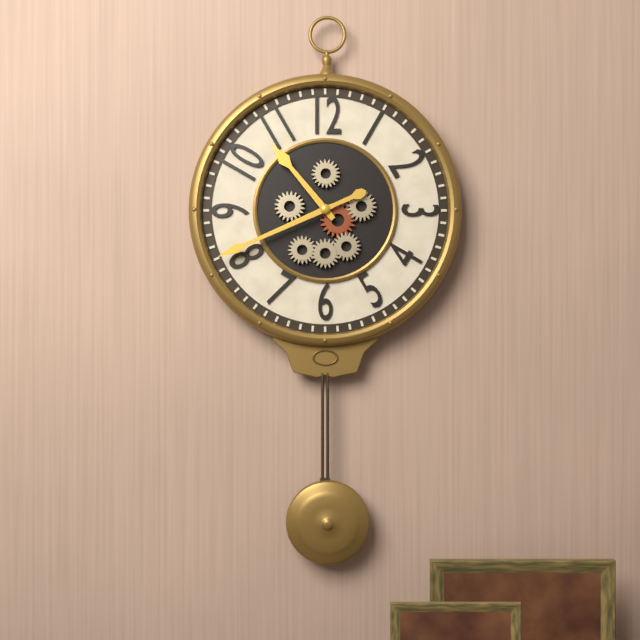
10 h 41 min
